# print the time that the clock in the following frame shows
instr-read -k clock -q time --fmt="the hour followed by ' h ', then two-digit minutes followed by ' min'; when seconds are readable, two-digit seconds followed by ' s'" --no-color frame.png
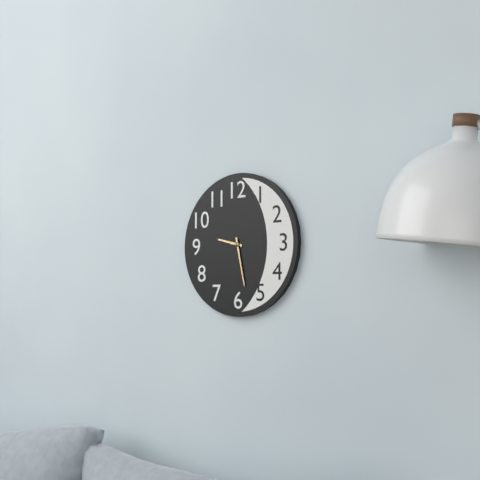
9 h 28 min
